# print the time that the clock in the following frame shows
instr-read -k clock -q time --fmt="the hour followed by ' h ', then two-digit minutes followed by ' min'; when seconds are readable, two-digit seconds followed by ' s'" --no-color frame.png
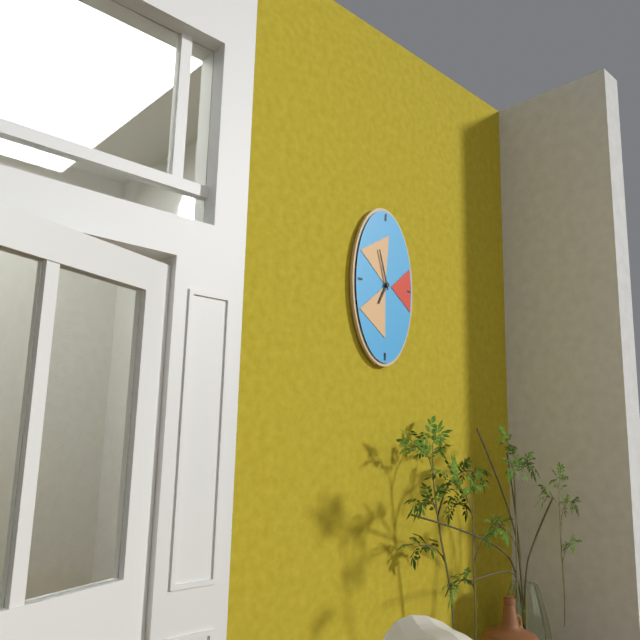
6 h 57 min
